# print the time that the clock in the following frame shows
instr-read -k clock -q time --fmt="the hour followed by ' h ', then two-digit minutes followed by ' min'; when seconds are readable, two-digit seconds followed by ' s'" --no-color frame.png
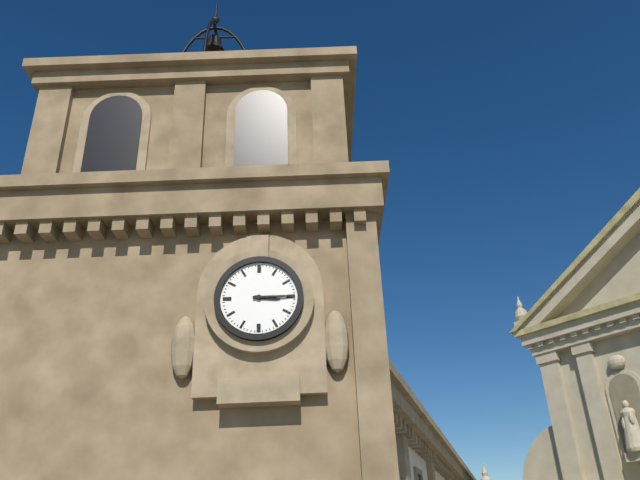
3 h 15 min
